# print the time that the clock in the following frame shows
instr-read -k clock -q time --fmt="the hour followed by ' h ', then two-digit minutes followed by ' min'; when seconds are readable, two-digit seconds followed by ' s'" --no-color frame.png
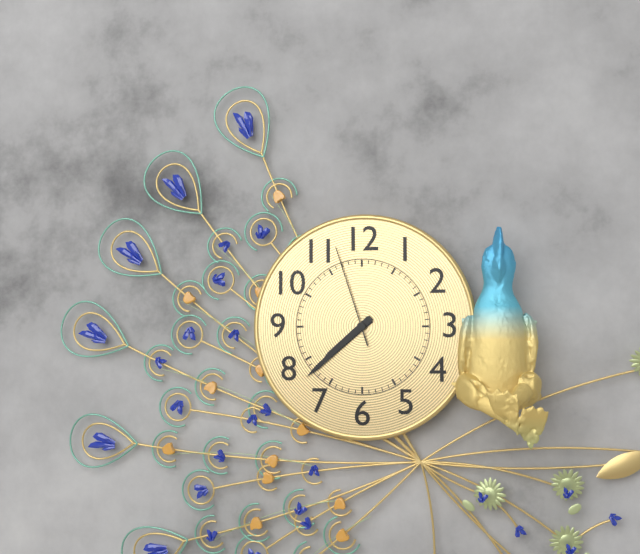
7 h 38 min 57 s
